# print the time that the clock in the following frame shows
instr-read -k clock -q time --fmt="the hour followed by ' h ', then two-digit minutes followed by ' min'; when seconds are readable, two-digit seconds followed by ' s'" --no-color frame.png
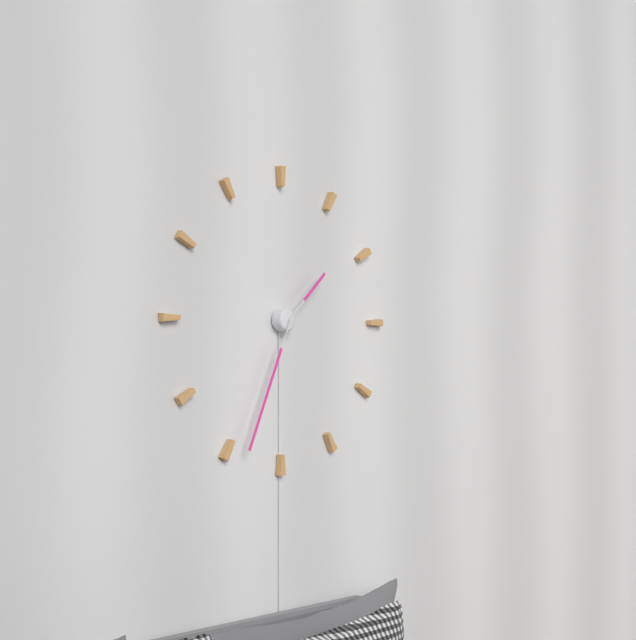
1 h 34 min
